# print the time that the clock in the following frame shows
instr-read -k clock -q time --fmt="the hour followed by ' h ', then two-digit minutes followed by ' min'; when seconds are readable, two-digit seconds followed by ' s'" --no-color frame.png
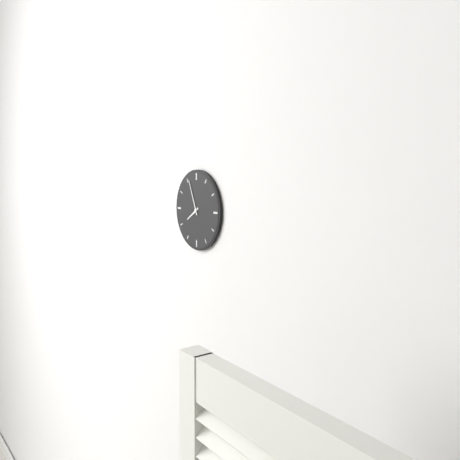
7 h 56 min
